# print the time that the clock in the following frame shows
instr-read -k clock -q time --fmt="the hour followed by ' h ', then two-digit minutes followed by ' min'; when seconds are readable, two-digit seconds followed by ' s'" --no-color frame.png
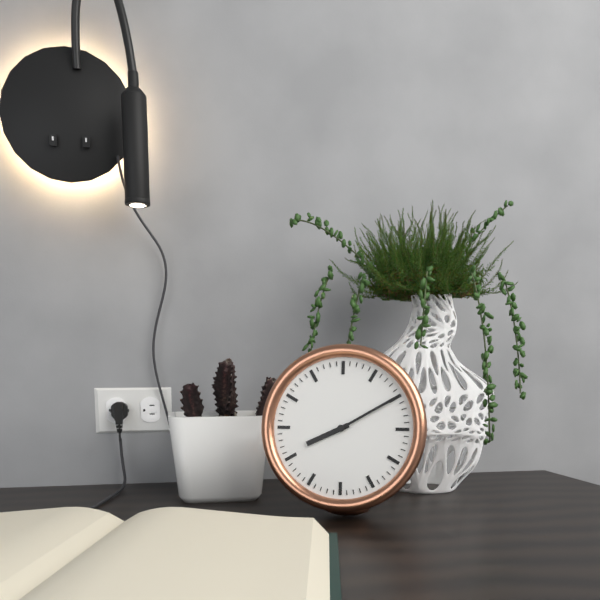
8 h 10 min
